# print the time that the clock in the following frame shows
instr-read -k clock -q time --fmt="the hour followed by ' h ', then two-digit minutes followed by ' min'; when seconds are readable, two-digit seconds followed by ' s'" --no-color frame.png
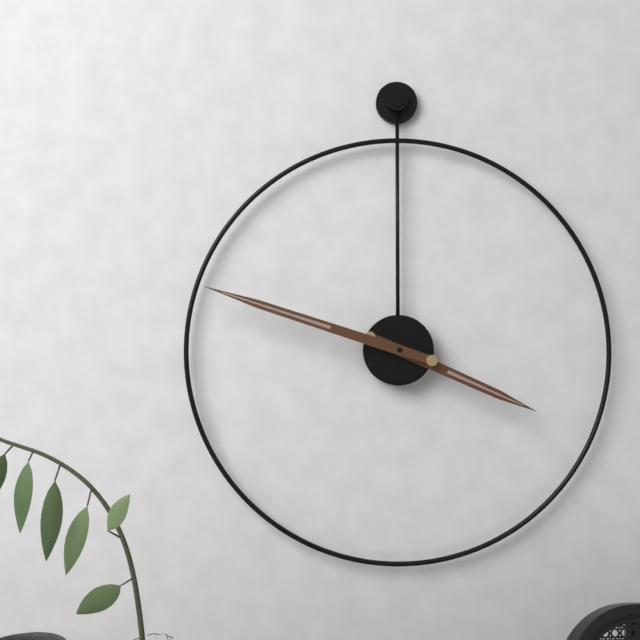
3 h 48 min
